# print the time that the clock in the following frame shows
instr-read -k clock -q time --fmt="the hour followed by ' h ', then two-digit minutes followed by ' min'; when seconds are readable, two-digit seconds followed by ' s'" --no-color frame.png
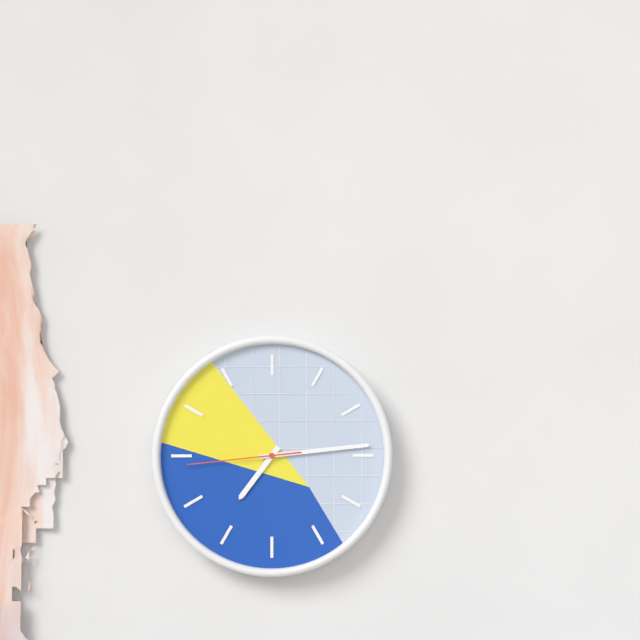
7 h 14 min 44 s
